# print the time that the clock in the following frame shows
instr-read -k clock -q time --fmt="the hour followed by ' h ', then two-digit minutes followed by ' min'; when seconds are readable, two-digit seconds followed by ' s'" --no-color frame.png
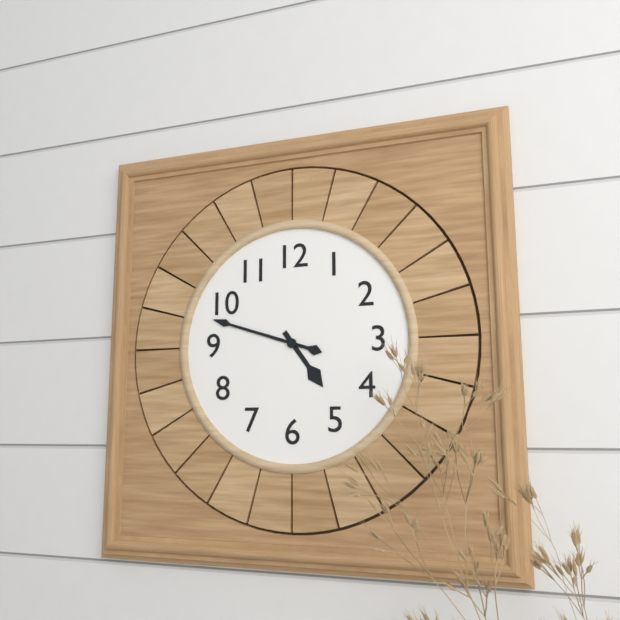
4 h 48 min
